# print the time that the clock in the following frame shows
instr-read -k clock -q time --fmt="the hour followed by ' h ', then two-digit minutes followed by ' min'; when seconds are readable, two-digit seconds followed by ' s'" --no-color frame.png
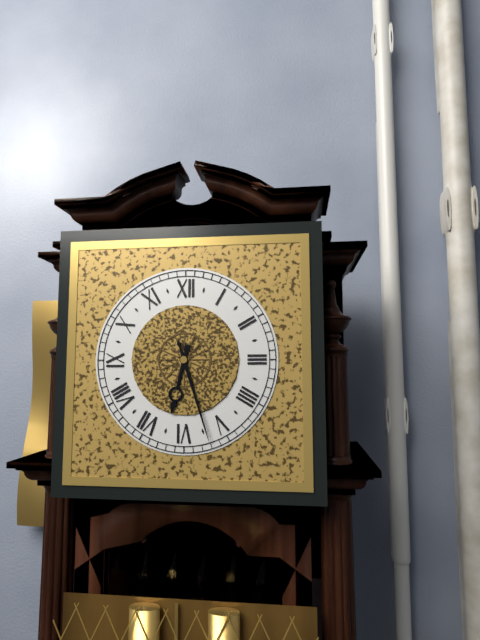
6 h 27 min
